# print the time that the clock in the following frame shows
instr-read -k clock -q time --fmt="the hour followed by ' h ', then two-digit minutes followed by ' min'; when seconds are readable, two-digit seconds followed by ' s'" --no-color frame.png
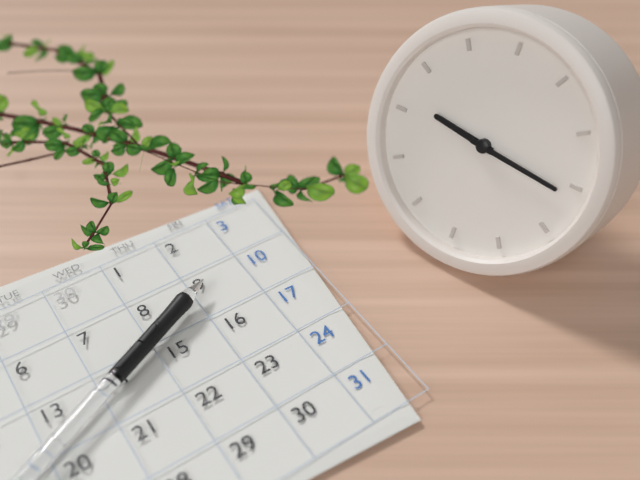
9 h 16 min
